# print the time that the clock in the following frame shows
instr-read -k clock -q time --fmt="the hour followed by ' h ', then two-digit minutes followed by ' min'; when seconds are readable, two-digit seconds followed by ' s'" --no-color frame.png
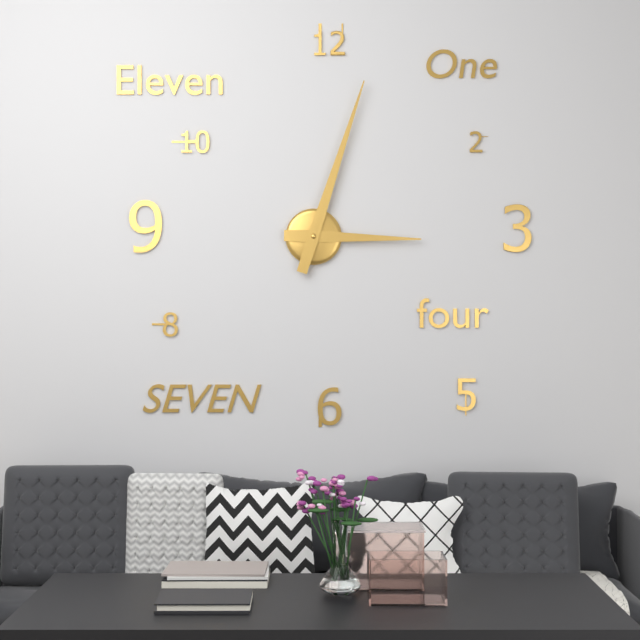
3 h 03 min
